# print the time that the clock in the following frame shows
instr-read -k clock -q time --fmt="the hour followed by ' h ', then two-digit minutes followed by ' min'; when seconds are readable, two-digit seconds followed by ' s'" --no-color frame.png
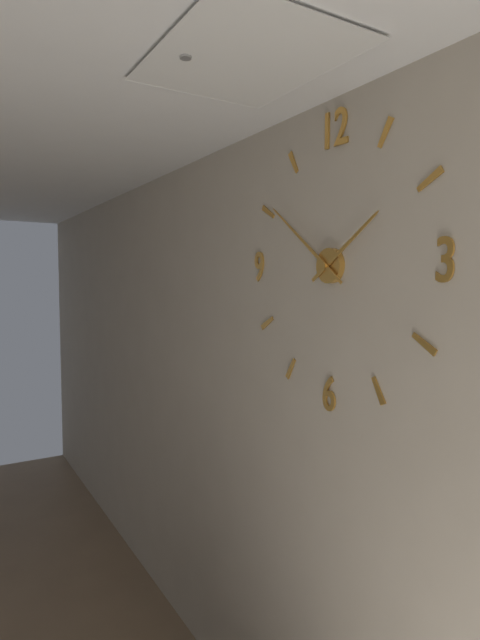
1 h 51 min
